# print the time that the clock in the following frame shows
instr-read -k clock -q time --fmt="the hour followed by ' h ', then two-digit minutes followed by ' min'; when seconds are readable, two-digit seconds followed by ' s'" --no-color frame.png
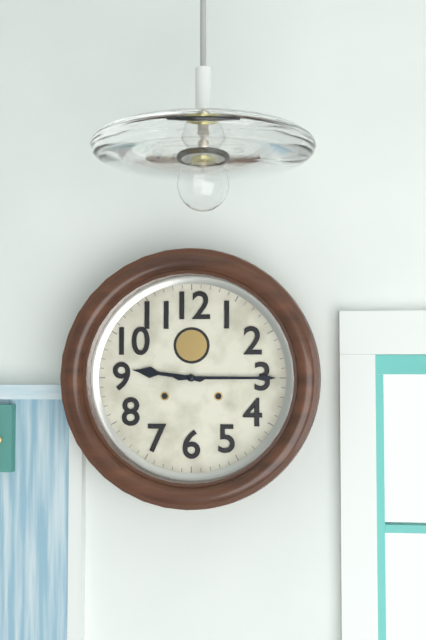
9 h 15 min
